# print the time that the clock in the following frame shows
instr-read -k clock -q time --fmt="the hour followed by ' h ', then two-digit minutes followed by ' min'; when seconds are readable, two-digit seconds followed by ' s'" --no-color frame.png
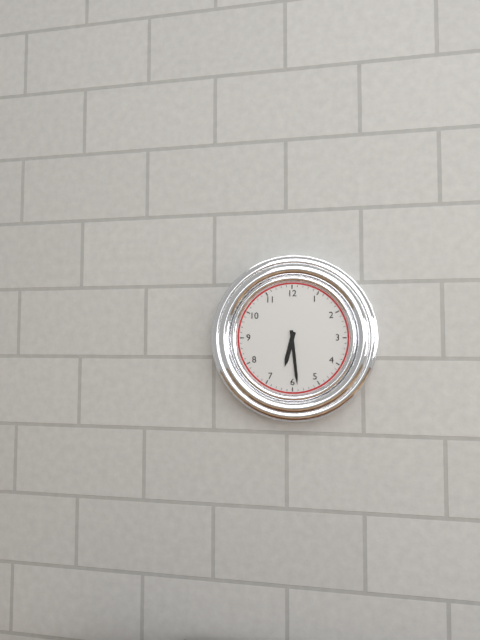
6 h 29 min
